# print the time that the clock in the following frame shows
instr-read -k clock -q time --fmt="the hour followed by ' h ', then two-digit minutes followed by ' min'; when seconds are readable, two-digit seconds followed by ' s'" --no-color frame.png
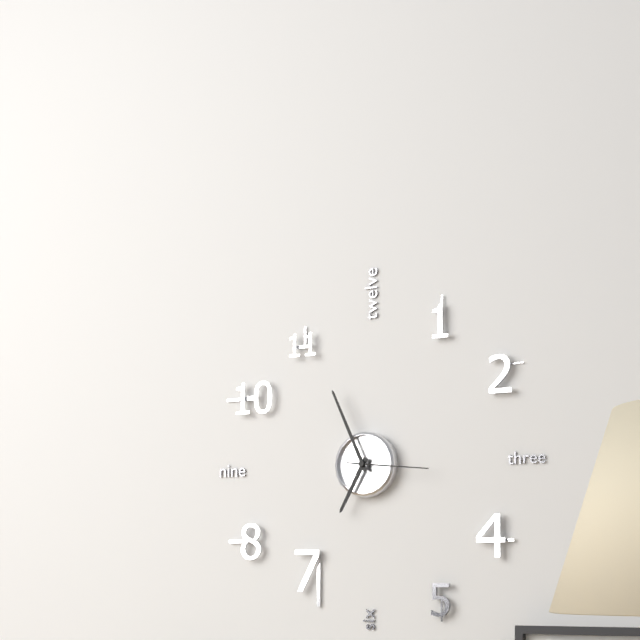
6 h 56 min 16 s
